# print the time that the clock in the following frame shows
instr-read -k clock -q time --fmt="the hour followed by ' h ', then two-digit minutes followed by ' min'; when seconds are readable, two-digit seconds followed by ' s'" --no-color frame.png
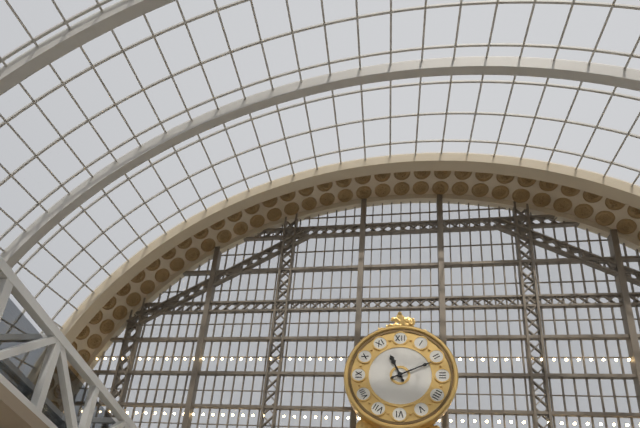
11 h 11 min
